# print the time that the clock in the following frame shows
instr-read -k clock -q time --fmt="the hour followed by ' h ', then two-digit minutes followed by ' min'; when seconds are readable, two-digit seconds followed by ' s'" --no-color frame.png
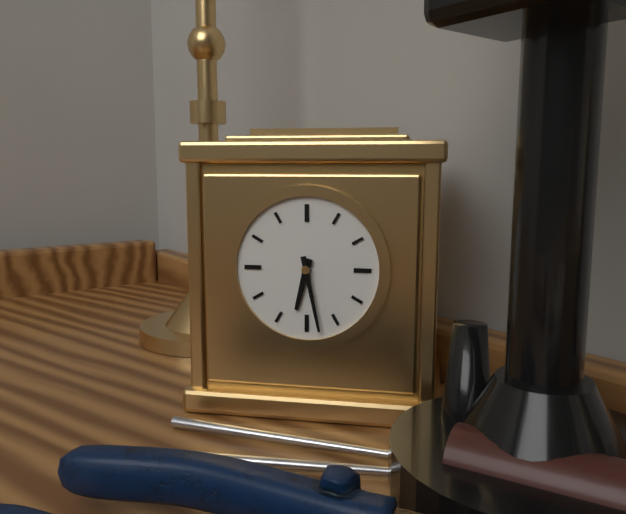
6 h 28 min
